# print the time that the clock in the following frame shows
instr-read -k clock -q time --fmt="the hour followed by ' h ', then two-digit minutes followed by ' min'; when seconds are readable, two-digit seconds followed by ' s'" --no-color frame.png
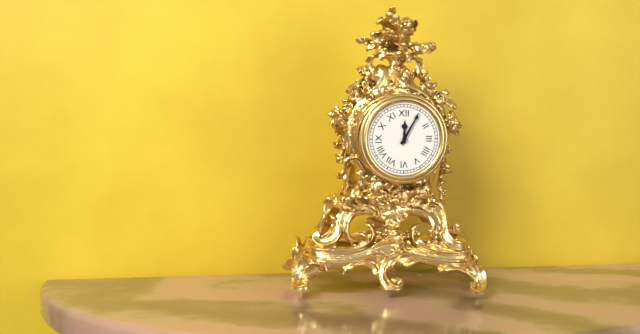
12 h 05 min
